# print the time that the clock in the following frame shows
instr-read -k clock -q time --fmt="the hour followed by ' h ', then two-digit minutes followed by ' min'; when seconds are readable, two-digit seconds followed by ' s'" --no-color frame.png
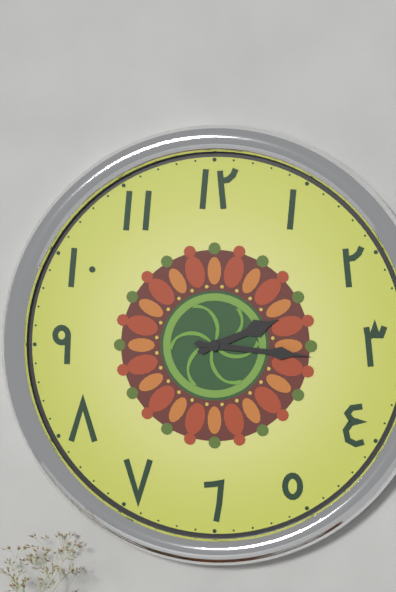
2 h 16 min
